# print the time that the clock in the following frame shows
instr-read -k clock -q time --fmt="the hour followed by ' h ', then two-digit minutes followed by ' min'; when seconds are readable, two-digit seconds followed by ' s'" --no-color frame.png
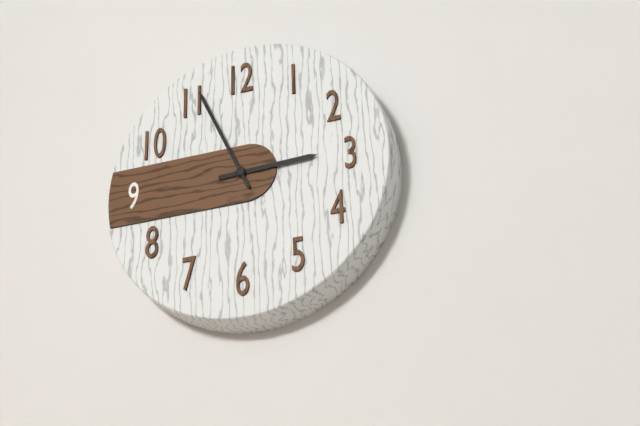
2 h 56 min
